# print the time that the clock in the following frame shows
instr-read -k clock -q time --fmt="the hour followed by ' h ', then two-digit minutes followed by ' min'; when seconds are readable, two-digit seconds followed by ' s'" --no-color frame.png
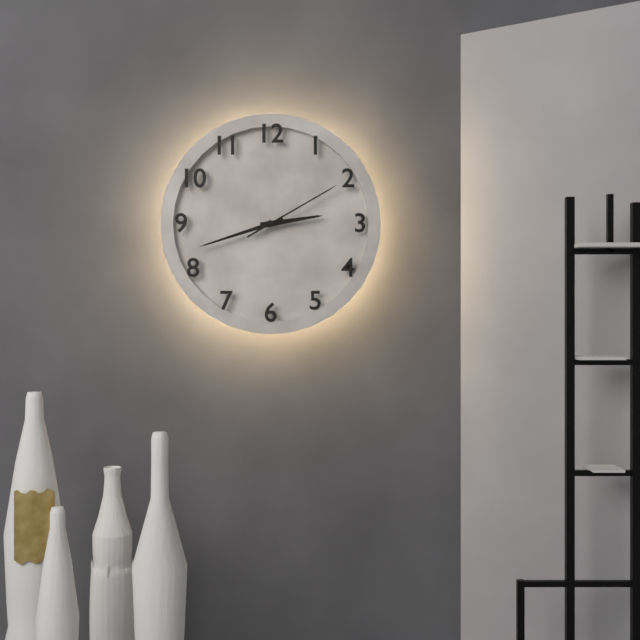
2 h 42 min 10 s
